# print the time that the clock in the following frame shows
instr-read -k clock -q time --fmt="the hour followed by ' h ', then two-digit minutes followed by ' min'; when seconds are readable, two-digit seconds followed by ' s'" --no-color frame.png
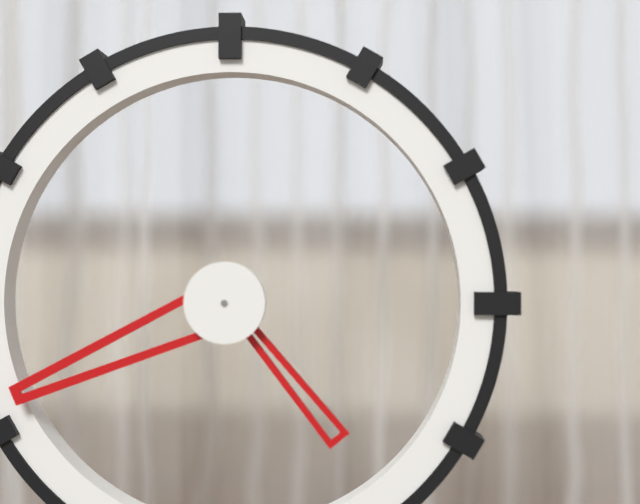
4 h 41 min
